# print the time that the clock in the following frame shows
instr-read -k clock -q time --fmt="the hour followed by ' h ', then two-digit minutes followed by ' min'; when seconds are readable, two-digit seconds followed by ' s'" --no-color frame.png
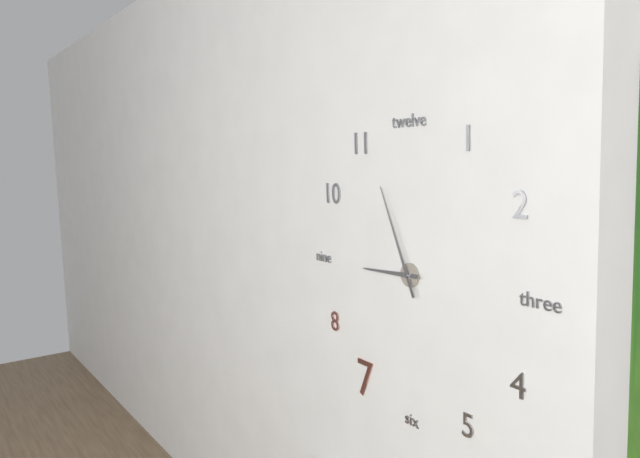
8 h 56 min
